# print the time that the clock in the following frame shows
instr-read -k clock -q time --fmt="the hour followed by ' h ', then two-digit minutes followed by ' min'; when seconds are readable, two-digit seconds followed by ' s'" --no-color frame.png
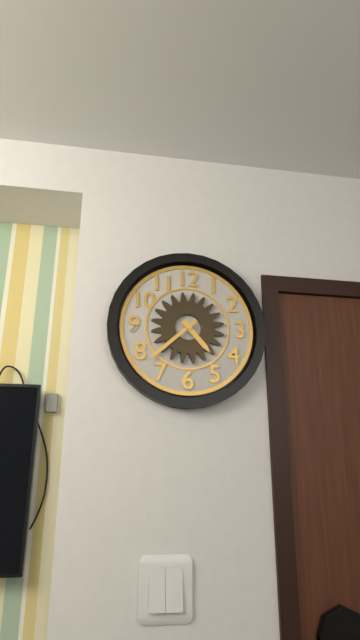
4 h 38 min
